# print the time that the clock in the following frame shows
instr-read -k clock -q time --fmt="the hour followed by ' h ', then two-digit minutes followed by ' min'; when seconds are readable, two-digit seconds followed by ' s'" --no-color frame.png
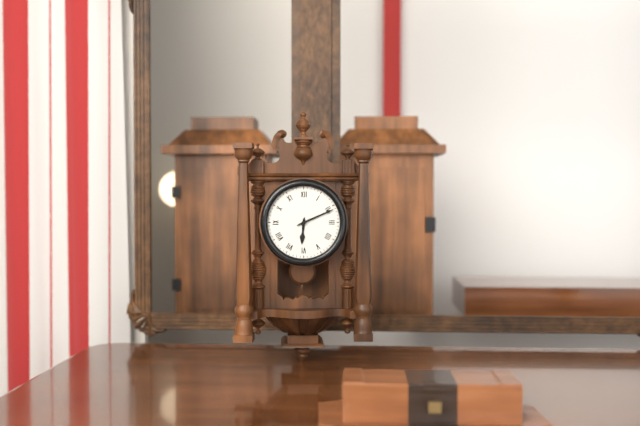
6 h 11 min
